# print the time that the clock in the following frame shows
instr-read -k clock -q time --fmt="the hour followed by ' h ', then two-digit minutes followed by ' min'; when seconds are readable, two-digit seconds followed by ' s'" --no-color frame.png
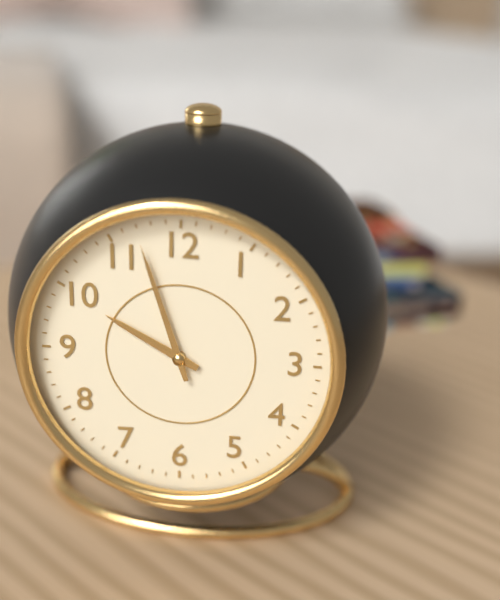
9 h 57 min
